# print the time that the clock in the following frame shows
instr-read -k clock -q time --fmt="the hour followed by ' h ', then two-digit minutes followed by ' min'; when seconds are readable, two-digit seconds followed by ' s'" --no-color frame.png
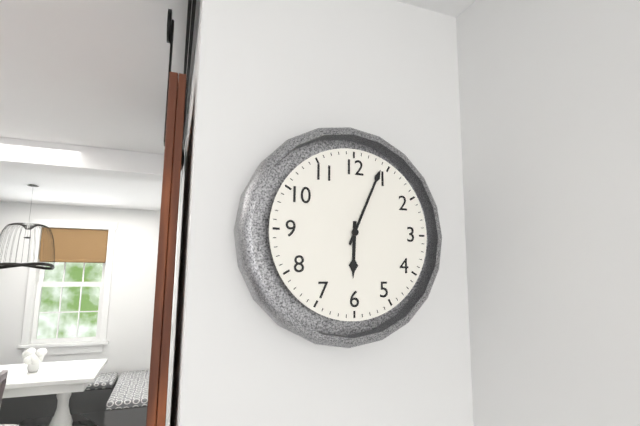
6 h 04 min
